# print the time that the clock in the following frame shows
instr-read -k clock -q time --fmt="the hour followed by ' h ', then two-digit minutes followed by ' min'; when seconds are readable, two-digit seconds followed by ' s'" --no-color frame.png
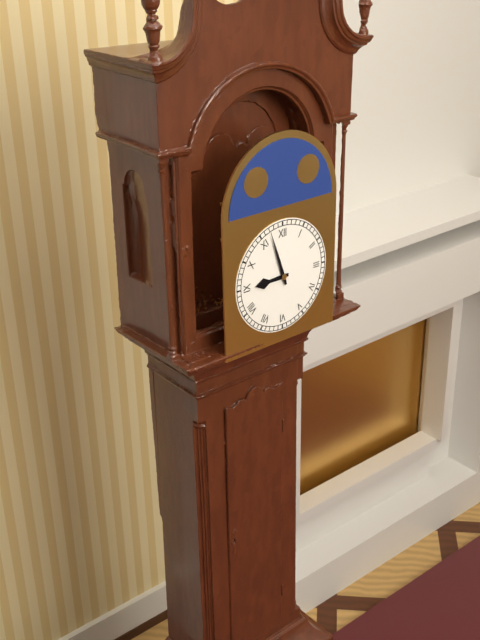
8 h 57 min
